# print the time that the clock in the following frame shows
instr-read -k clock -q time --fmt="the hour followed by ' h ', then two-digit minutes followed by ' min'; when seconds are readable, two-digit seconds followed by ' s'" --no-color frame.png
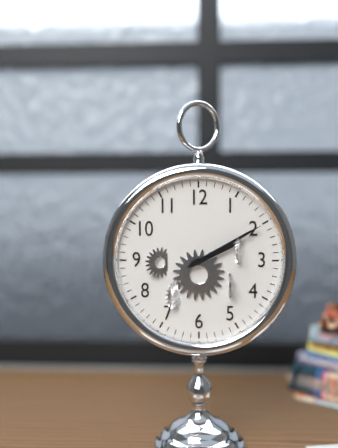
2 h 10 min
